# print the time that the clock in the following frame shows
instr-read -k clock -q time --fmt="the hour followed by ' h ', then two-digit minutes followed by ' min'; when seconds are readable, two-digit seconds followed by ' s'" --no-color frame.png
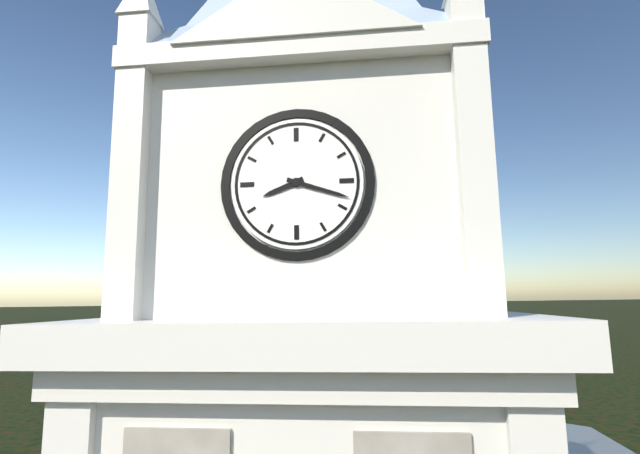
8 h 18 min
